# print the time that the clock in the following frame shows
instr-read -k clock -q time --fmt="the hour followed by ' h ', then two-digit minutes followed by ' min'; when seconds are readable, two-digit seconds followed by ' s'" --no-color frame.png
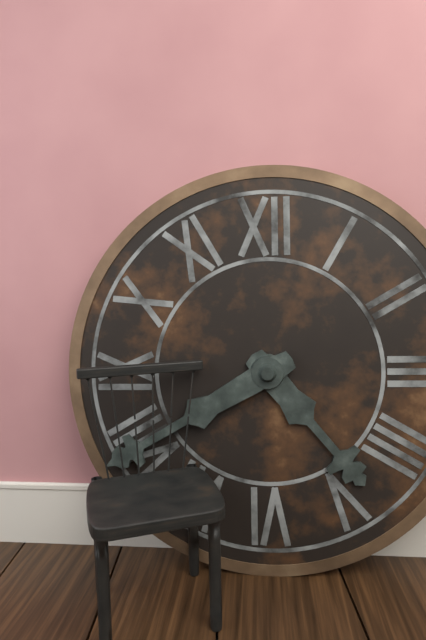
4 h 40 min
